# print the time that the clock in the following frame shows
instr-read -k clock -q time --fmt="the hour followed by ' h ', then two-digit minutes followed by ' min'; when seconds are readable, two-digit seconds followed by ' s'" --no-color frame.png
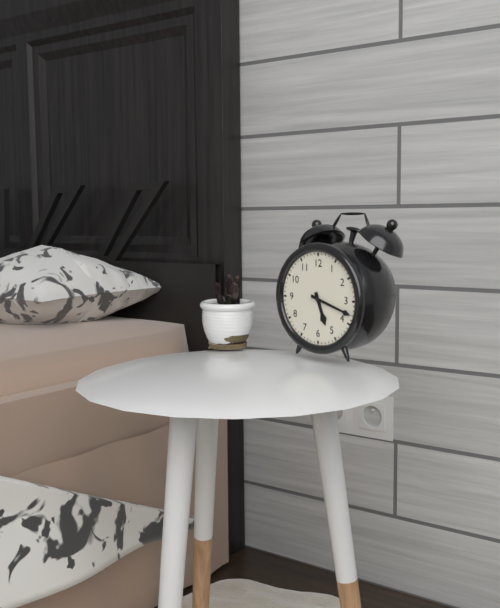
5 h 18 min
